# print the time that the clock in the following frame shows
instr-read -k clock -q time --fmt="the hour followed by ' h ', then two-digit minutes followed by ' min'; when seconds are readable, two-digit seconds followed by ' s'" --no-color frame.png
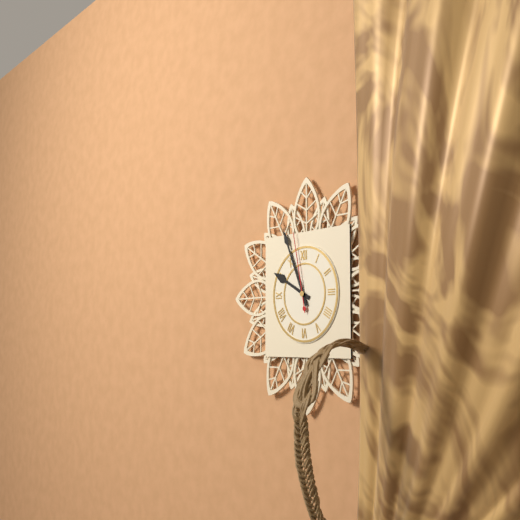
9 h 56 min 58 s
